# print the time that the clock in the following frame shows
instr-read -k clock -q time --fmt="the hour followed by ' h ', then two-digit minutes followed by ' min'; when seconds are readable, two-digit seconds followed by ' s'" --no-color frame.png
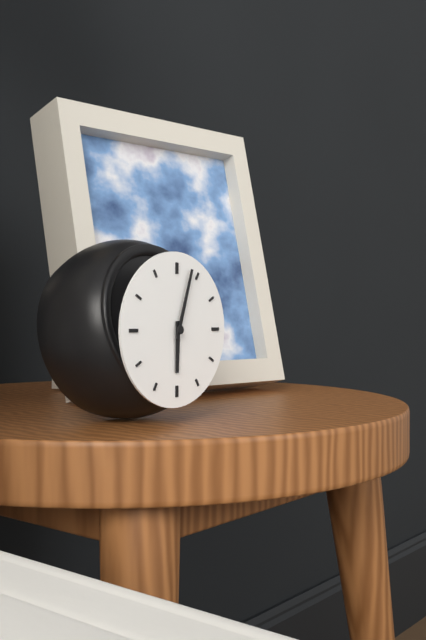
6 h 03 min
